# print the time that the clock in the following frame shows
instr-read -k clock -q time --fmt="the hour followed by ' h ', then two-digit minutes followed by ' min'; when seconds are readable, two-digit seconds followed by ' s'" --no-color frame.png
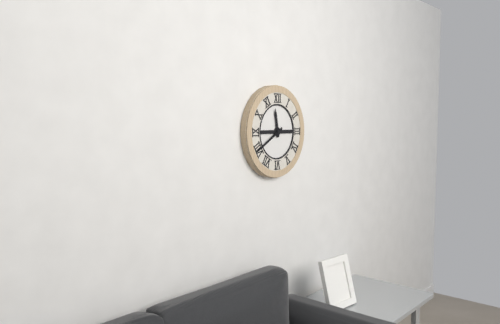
11 h 40 min
